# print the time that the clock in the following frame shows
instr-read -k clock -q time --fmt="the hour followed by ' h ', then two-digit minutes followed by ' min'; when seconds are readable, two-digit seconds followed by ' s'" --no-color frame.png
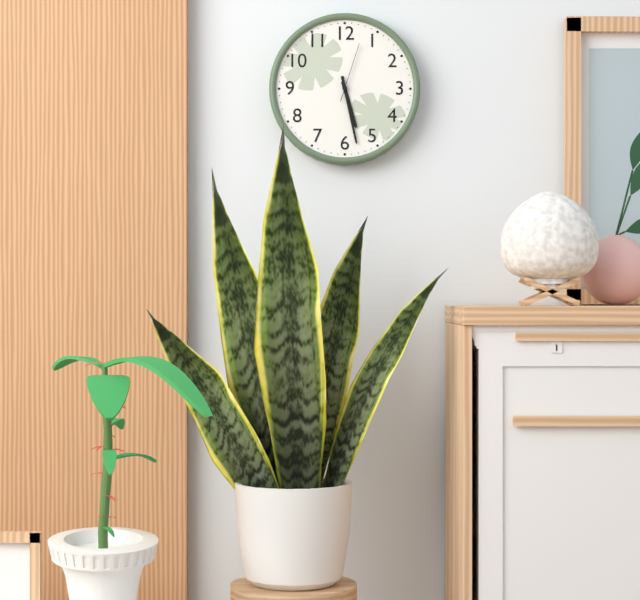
5 h 28 min 03 s
